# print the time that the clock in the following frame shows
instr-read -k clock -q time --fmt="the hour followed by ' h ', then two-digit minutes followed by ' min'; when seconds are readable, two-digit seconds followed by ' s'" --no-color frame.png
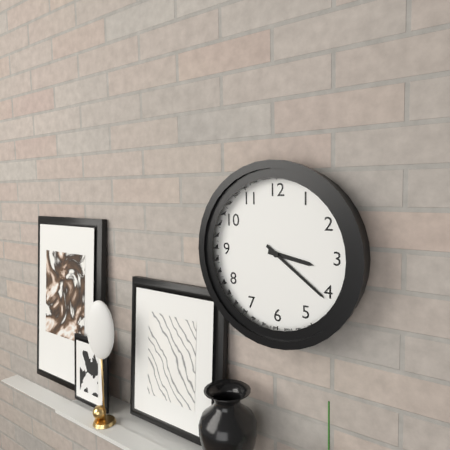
3 h 21 min
